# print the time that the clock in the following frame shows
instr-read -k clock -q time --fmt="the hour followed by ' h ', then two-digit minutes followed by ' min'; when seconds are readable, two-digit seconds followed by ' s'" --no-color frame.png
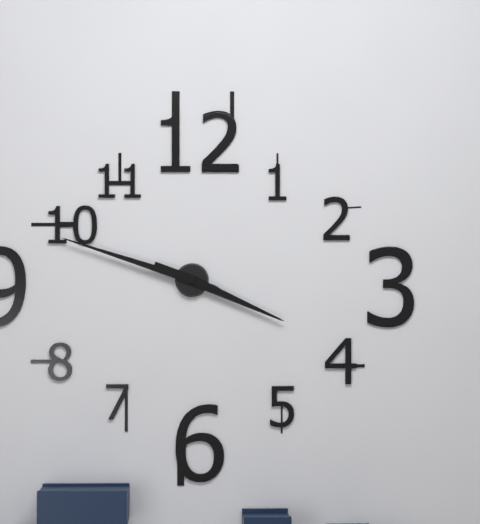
3 h 48 min
